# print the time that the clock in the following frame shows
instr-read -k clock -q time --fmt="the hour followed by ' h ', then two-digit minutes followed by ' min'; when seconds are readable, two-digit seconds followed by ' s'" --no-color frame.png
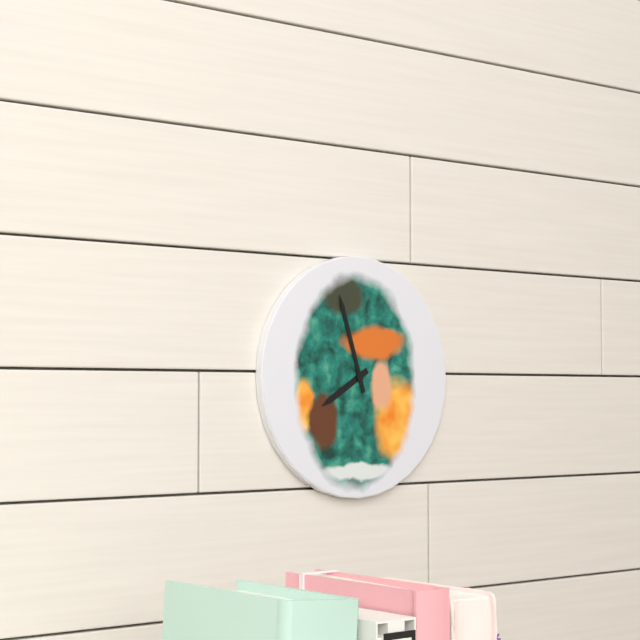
7 h 57 min
